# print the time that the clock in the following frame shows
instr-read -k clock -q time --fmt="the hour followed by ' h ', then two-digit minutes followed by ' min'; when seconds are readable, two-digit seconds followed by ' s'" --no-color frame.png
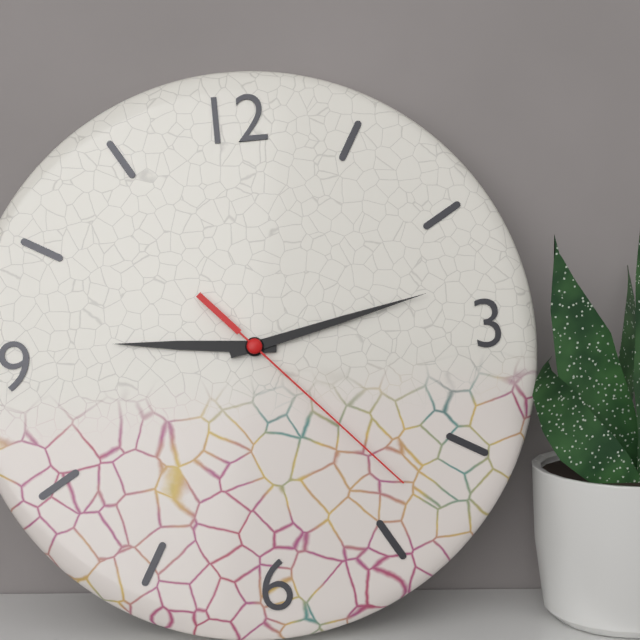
9 h 13 min 23 s
